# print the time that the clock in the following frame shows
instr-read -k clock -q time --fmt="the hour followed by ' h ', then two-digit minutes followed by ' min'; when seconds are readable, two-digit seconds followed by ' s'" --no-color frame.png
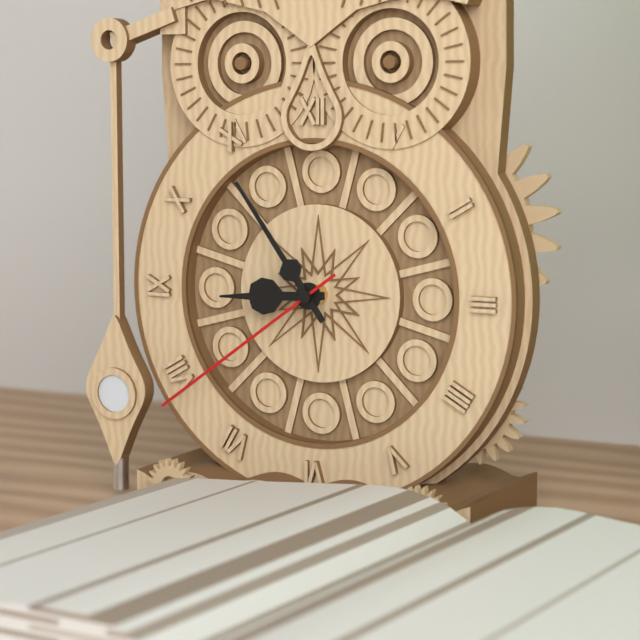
8 h 54 min 39 s
